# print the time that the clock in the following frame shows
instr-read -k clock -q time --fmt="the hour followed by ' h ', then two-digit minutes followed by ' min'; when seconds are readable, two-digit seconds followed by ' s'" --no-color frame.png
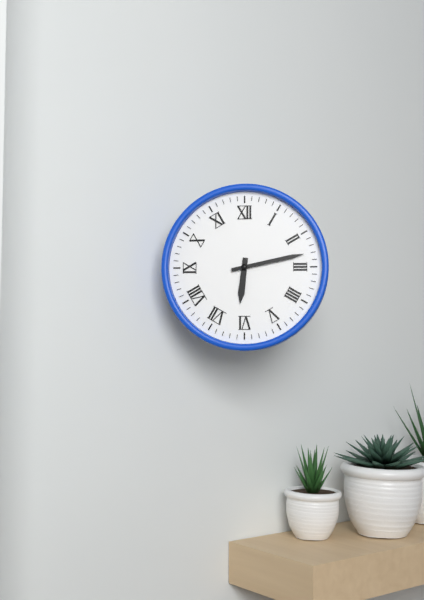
6 h 13 min
